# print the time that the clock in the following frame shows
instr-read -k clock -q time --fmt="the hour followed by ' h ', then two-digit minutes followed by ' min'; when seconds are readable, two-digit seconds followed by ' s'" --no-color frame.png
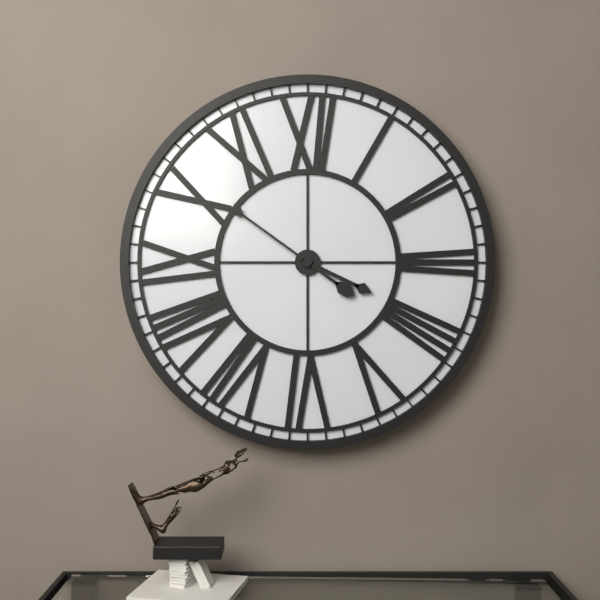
3 h 51 min
